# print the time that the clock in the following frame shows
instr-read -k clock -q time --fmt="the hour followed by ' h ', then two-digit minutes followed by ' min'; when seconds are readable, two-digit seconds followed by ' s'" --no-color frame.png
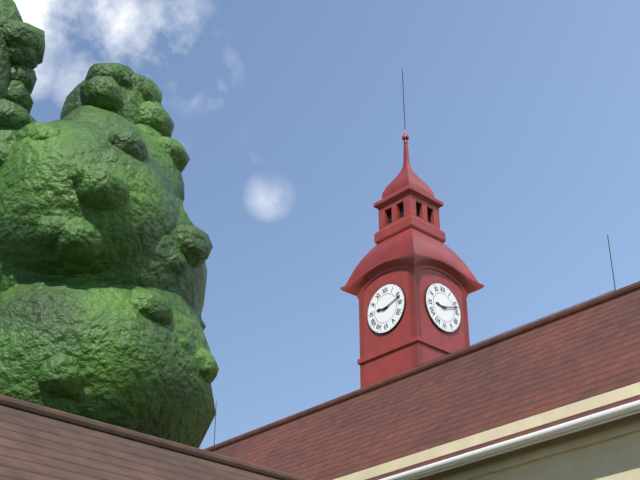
9 h 12 min
